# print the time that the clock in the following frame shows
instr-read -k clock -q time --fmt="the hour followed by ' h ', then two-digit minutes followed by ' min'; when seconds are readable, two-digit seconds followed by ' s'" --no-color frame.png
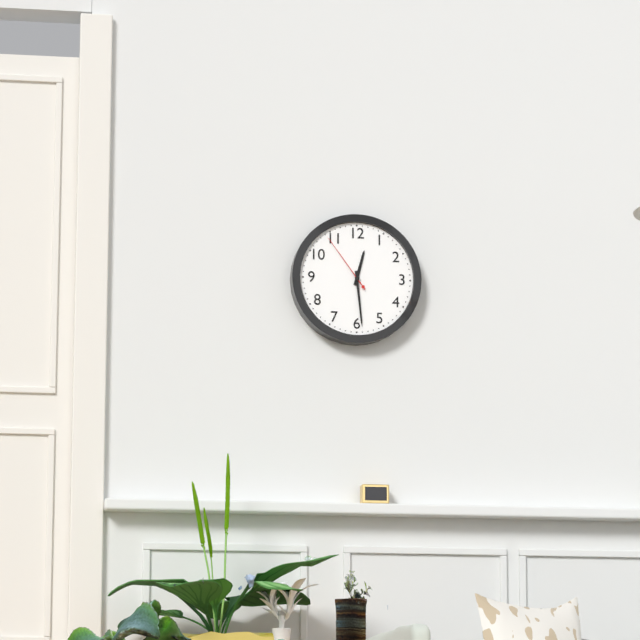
12 h 29 min 54 s
